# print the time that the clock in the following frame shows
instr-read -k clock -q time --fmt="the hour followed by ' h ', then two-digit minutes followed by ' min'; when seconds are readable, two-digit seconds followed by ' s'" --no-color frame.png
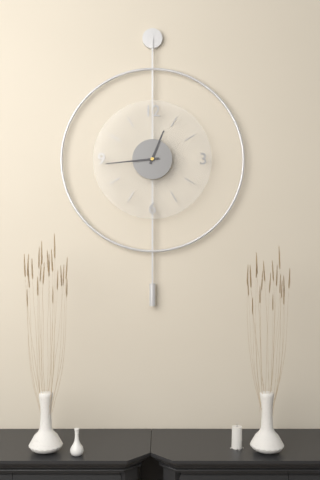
12 h 44 min
